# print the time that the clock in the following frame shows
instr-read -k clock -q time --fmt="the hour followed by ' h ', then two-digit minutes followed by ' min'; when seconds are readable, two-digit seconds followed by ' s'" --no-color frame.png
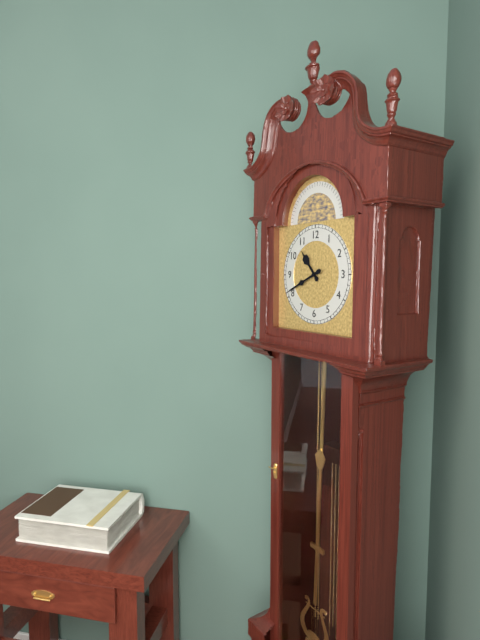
10 h 41 min
